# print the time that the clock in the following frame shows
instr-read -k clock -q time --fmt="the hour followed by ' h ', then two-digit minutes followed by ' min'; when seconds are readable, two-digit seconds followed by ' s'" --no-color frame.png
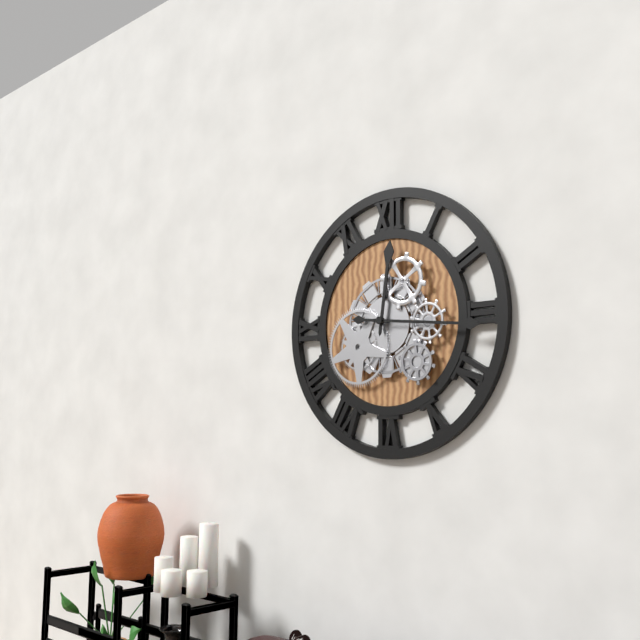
12 h 16 min
